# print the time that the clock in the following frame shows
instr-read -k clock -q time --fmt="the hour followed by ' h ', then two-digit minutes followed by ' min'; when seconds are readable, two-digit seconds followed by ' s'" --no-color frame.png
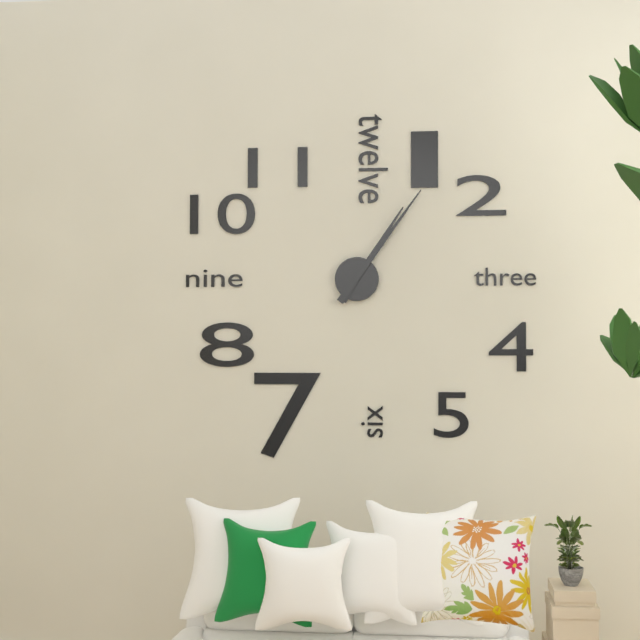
1 h 06 min
